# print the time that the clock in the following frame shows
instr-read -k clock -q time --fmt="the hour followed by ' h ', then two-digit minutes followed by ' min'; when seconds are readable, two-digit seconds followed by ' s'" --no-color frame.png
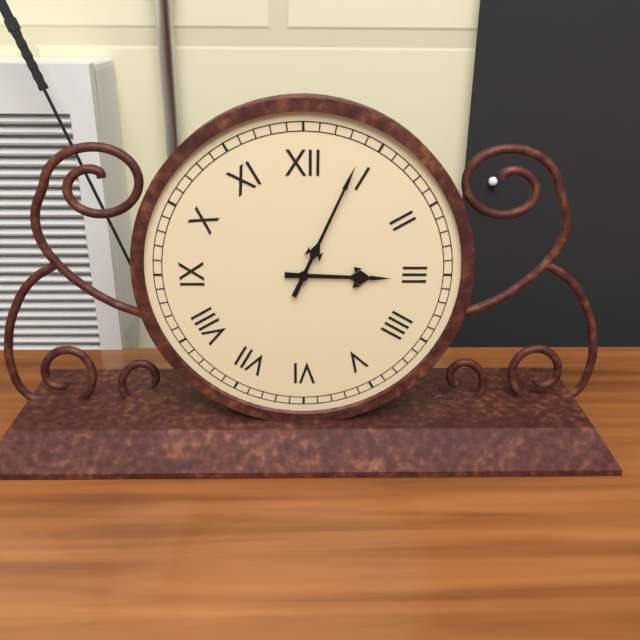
3 h 04 min
